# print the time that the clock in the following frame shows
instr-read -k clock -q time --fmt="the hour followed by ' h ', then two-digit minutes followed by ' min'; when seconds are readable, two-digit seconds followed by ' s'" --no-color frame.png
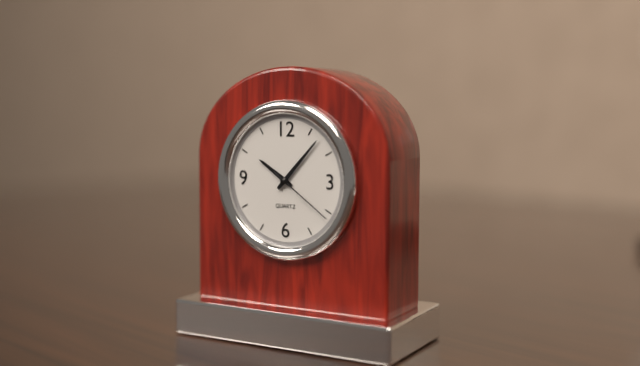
10 h 07 min 21 s
